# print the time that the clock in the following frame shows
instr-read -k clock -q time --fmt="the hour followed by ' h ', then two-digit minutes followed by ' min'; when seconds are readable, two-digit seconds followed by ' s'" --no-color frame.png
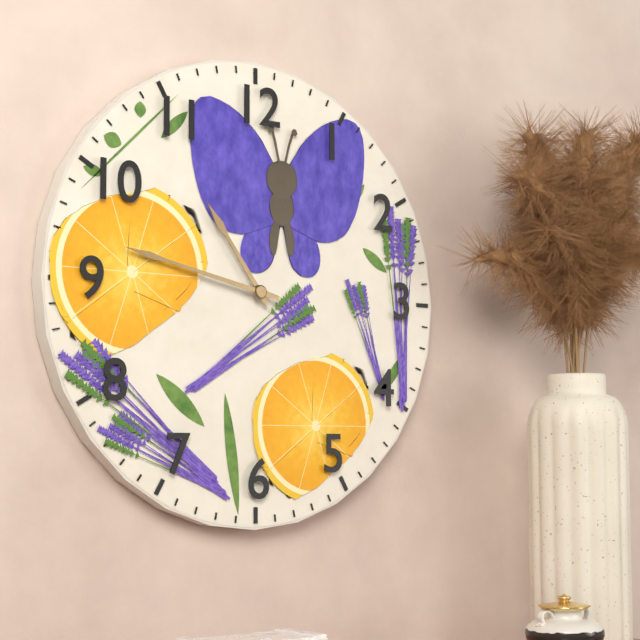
10 h 47 min
